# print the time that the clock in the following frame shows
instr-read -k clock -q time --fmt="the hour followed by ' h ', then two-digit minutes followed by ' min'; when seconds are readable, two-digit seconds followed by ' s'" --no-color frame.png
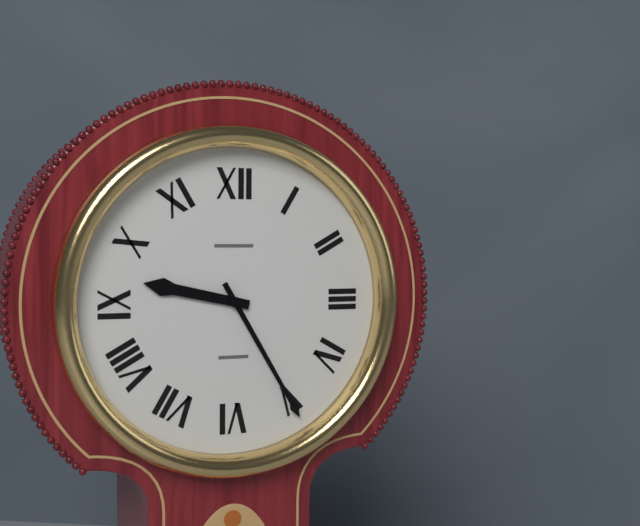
9 h 25 min
